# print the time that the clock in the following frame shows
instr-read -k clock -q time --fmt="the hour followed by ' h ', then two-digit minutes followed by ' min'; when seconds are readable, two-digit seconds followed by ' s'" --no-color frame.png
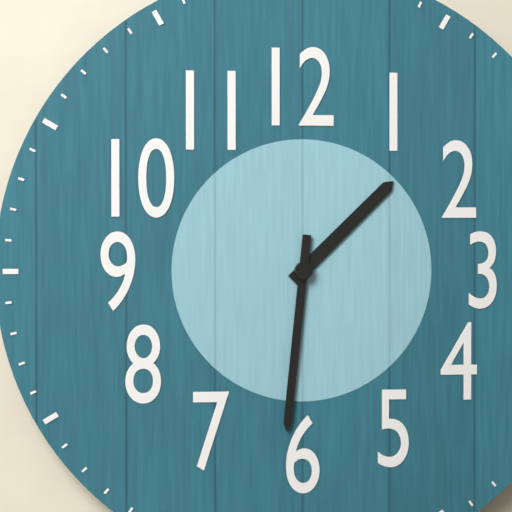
1 h 31 min
